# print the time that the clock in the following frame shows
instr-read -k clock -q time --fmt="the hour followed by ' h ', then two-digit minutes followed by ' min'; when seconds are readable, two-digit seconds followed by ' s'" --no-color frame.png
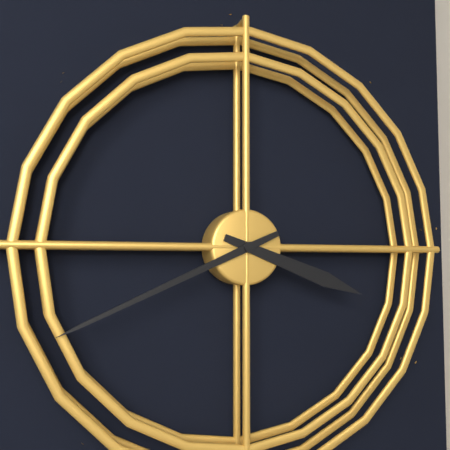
3 h 41 min
